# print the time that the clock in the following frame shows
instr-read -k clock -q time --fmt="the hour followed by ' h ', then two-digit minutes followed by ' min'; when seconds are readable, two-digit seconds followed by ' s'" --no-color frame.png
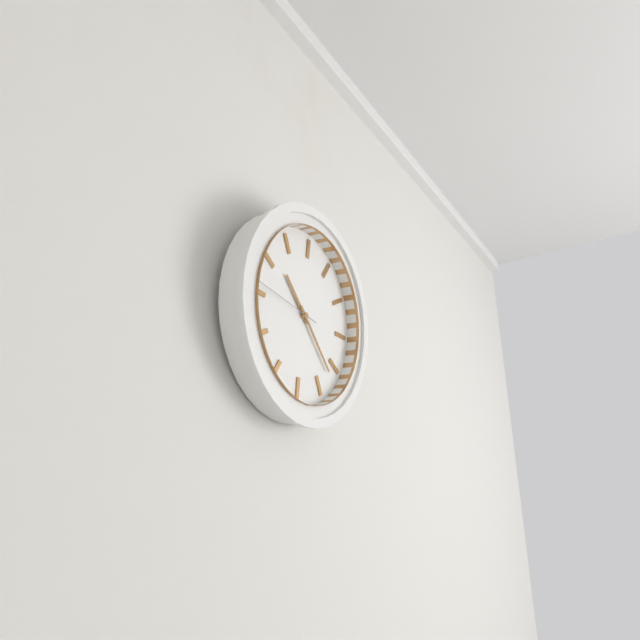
10 h 22 min 46 s
